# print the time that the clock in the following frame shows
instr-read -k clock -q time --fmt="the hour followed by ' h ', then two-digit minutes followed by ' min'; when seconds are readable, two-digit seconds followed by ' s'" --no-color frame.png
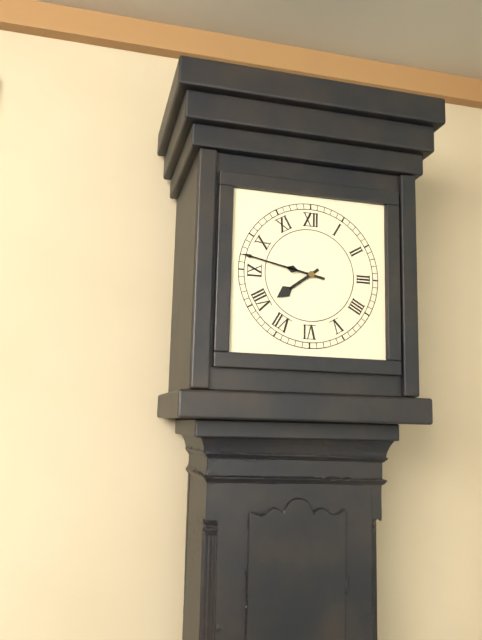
7 h 47 min
